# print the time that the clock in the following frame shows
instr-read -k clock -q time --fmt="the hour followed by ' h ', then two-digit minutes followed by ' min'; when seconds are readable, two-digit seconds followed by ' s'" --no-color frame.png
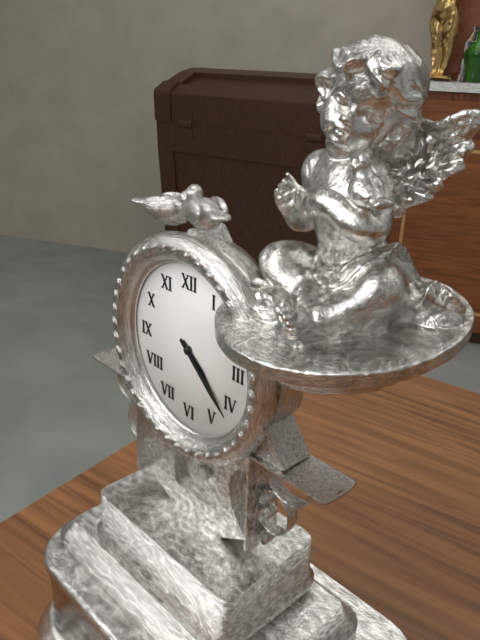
4 h 22 min
